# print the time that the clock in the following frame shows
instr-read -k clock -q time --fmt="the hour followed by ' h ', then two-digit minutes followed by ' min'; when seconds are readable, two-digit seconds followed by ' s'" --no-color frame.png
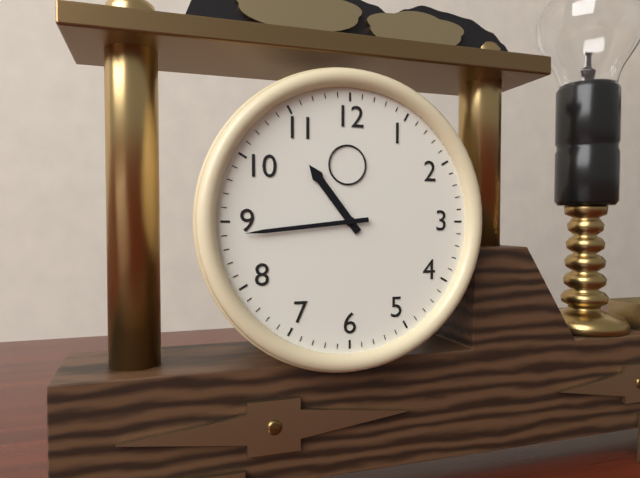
10 h 44 min
